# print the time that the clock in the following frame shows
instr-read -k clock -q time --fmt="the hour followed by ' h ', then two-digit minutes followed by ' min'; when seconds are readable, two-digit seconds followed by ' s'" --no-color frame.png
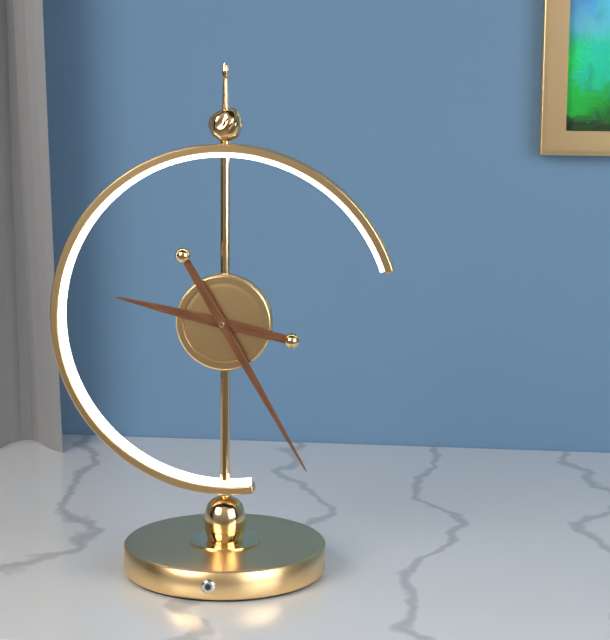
9 h 25 min
